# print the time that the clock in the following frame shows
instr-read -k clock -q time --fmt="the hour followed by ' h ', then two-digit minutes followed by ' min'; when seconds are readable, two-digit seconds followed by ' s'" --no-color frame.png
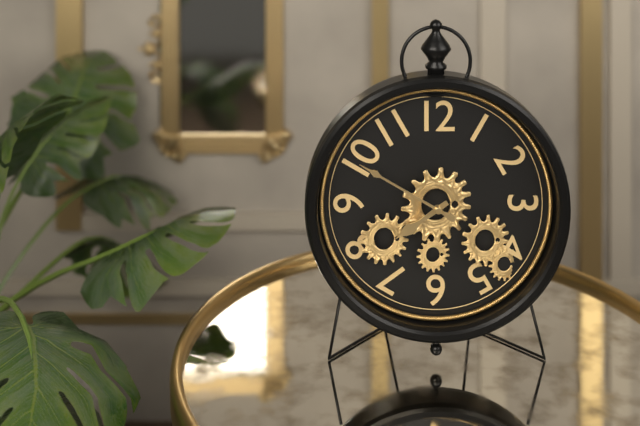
7 h 50 min
